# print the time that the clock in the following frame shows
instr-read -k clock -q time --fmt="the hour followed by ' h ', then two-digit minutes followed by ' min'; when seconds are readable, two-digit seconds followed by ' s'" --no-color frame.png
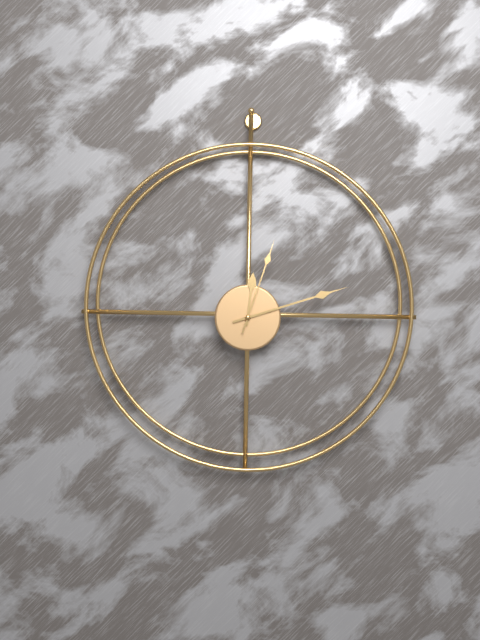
12 h 12 min 03 s
